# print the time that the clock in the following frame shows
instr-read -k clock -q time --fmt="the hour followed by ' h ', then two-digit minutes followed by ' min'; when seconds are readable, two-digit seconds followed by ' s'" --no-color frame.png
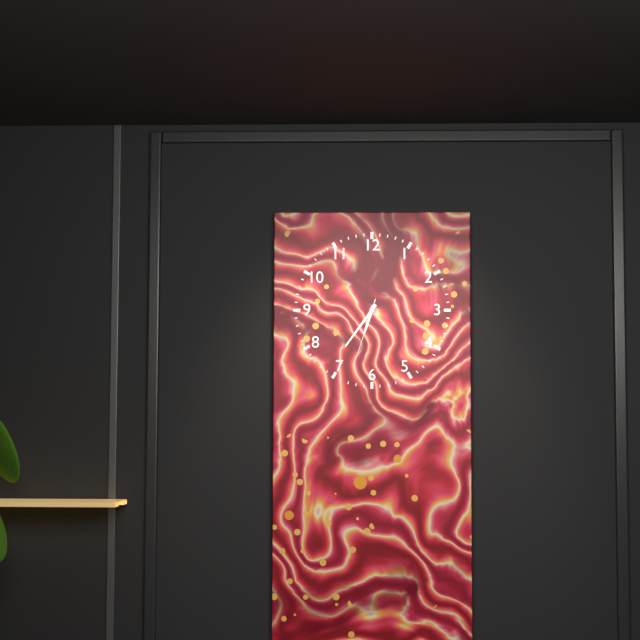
6 h 36 min 33 s
